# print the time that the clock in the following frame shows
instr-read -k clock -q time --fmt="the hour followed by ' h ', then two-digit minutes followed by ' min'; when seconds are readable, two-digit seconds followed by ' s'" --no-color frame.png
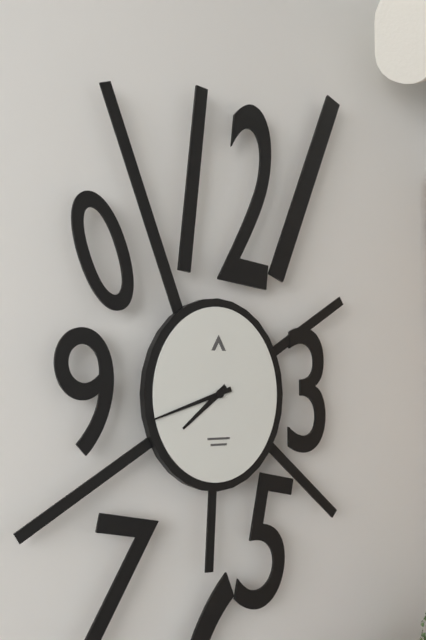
7 h 42 min
